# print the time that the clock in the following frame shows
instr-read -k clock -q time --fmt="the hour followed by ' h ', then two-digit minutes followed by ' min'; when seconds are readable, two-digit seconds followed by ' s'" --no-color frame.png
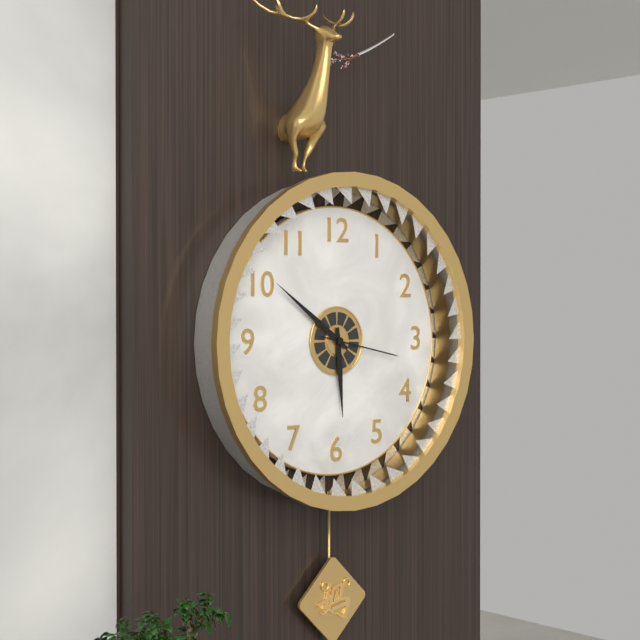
5 h 51 min 17 s
